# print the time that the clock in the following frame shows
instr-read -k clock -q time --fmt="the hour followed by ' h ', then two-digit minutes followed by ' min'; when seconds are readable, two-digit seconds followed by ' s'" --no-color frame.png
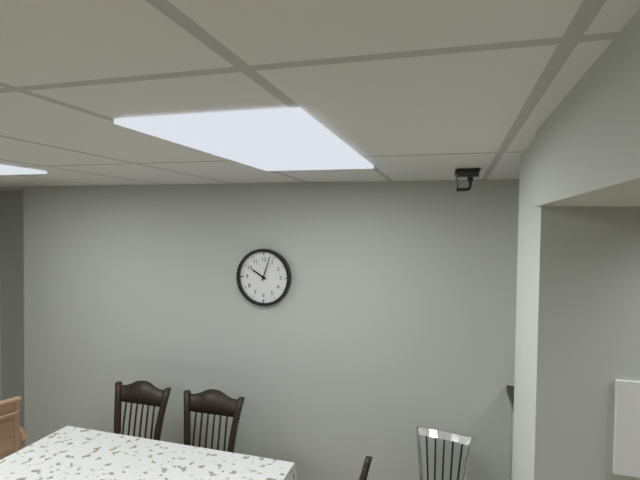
10 h 03 min
